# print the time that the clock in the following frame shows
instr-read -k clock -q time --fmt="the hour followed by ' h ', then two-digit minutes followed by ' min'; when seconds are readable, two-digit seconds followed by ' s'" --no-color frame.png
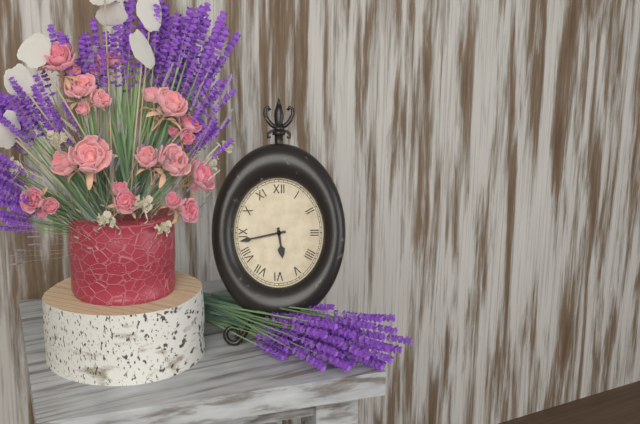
5 h 43 min
